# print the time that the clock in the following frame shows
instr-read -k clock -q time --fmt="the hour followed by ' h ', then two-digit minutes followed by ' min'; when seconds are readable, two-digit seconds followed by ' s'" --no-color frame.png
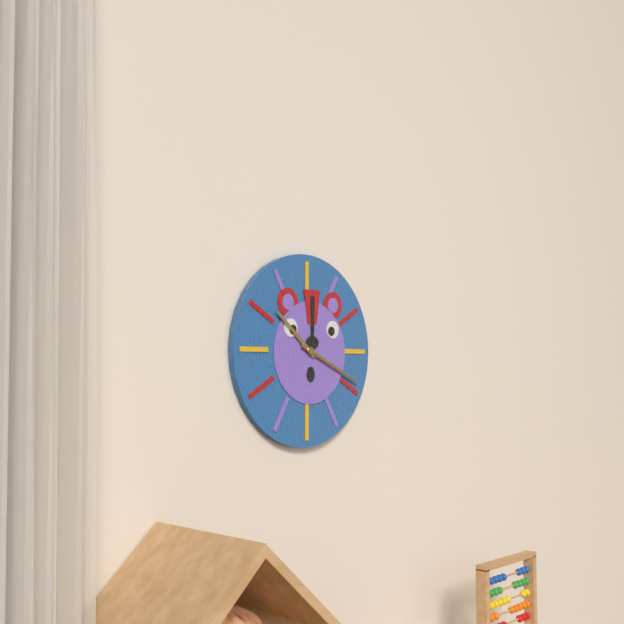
10 h 19 min
